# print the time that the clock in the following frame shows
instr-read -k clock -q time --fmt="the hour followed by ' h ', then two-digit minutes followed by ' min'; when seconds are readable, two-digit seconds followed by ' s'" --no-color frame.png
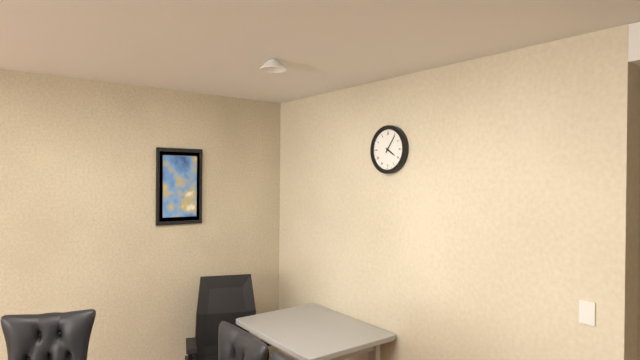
4 h 06 min
